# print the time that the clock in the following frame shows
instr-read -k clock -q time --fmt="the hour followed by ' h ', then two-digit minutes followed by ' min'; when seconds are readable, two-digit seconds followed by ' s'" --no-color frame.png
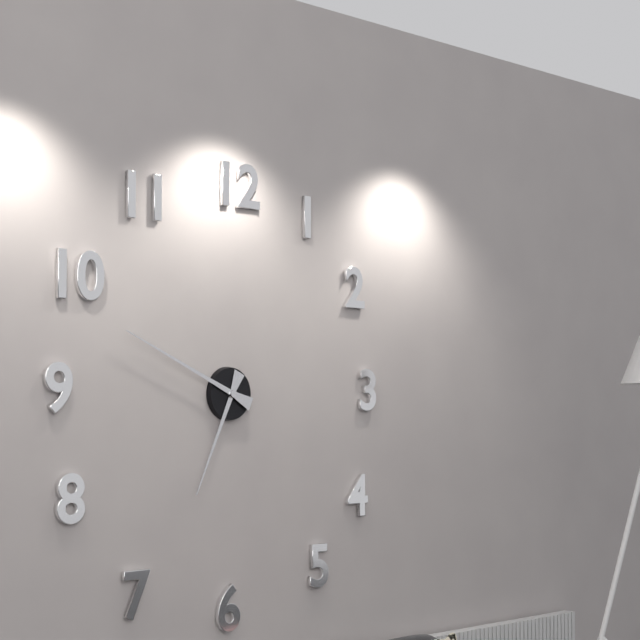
6 h 49 min
